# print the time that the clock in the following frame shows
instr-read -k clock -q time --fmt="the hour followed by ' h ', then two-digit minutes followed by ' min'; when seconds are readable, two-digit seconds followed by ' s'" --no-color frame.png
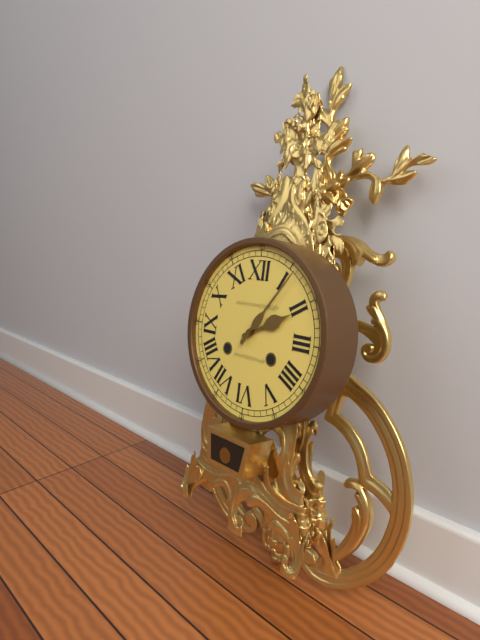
2 h 06 min
